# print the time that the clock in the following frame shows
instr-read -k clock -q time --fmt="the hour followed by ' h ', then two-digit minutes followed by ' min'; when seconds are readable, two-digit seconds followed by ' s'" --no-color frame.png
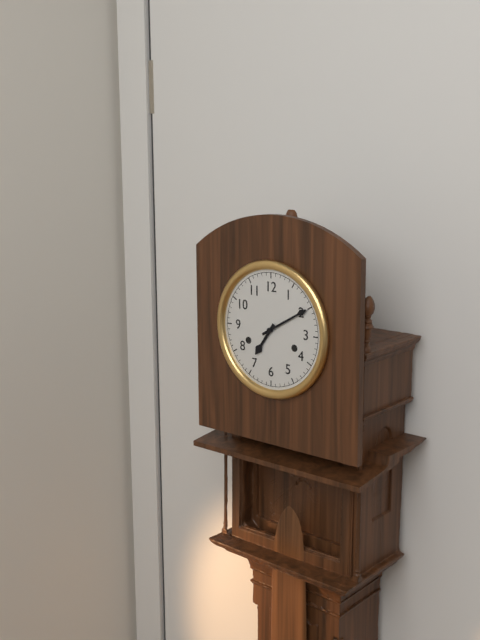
7 h 10 min
